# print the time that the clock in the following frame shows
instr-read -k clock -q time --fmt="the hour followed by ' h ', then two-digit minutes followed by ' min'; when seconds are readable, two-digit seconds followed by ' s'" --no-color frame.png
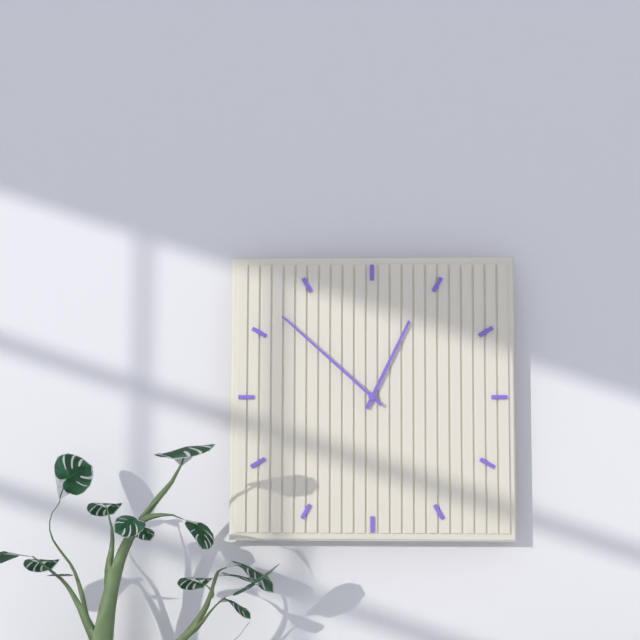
12 h 52 min
